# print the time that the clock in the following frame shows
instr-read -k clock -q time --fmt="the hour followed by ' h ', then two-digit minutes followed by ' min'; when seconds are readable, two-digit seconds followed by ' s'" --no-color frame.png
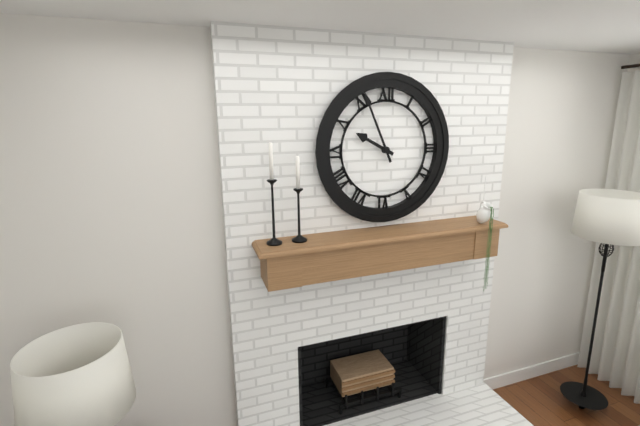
9 h 56 min
